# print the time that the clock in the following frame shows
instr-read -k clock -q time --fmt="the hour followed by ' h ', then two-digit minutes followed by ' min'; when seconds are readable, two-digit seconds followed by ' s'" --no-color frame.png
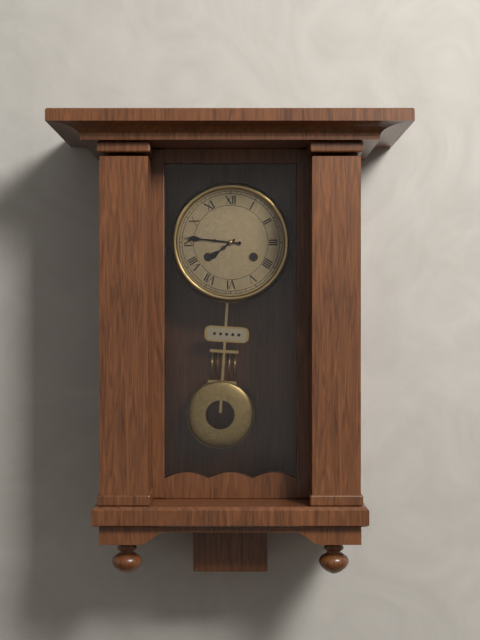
7 h 46 min
